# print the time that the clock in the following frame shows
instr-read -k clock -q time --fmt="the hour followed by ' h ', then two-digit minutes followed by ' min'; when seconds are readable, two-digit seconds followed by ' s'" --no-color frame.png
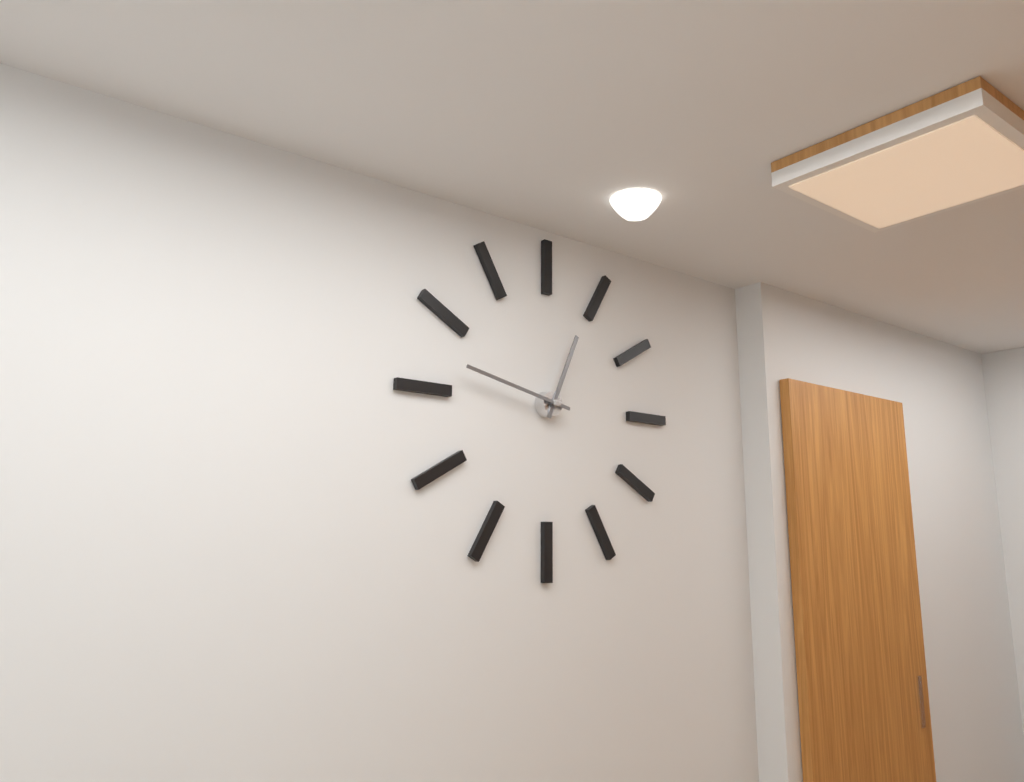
12 h 47 min
